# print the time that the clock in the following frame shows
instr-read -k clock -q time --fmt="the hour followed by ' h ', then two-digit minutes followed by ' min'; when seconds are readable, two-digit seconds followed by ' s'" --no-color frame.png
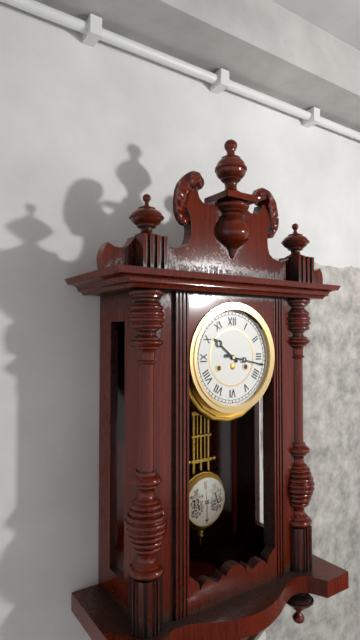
10 h 17 min
